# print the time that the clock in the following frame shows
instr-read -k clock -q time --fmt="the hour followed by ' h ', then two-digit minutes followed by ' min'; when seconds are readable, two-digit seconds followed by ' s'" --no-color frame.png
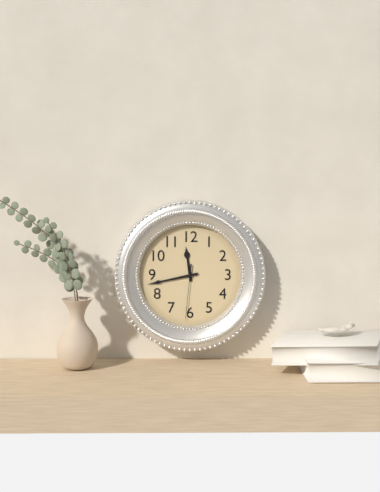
11 h 43 min 31 s
